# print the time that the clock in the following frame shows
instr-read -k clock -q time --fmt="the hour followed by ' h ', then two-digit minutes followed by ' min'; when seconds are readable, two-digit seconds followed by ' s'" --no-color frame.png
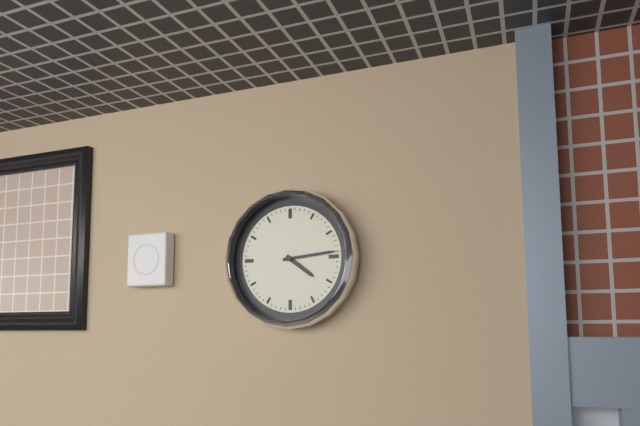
4 h 14 min
